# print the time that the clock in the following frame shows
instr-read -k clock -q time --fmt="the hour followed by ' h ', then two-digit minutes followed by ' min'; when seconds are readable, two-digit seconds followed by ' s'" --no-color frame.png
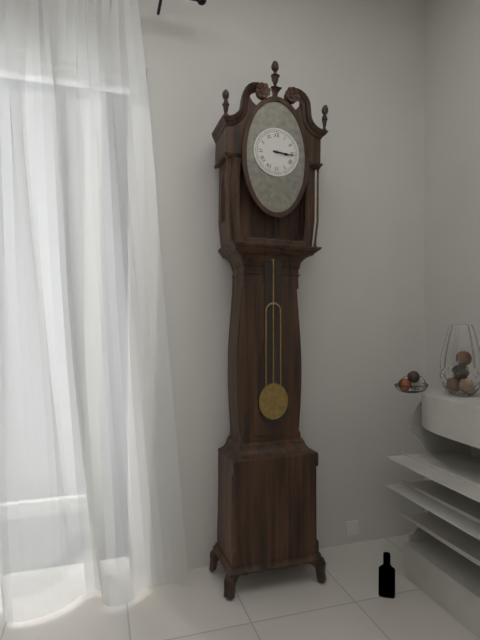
3 h 16 min
